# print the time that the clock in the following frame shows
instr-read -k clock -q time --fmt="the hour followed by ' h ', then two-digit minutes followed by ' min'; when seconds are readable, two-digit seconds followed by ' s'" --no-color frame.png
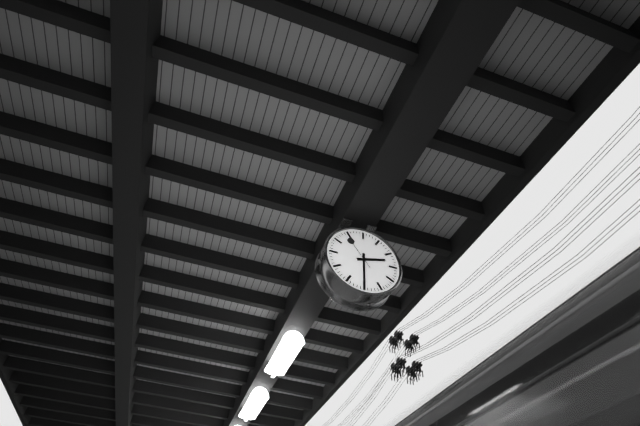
2 h 30 min
